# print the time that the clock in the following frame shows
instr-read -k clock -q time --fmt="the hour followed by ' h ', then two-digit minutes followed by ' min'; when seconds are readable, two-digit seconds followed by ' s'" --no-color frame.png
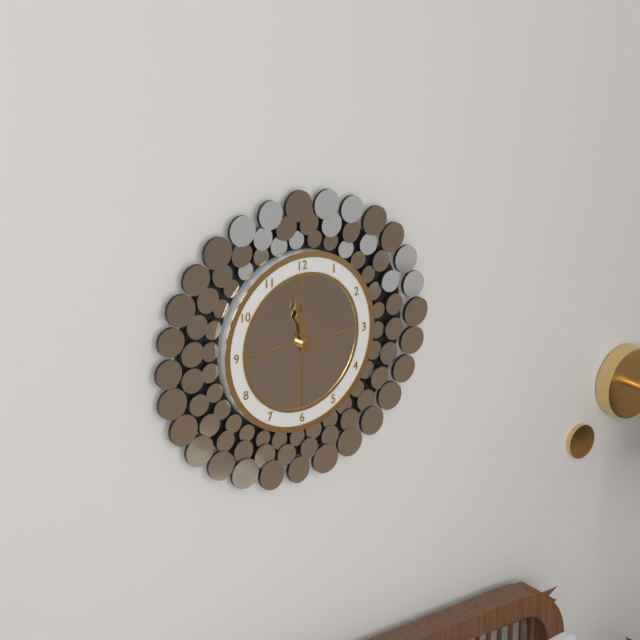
11 h 58 min 25 s
